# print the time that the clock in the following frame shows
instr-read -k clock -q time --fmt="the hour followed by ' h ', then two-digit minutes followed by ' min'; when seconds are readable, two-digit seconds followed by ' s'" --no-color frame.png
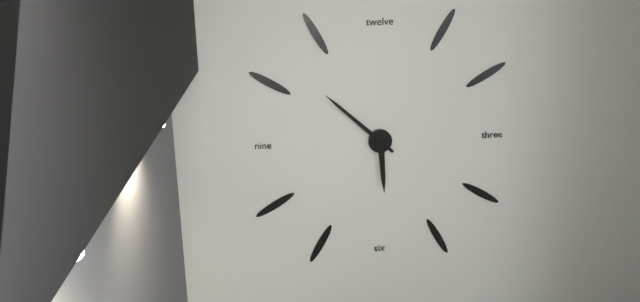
5 h 52 min
